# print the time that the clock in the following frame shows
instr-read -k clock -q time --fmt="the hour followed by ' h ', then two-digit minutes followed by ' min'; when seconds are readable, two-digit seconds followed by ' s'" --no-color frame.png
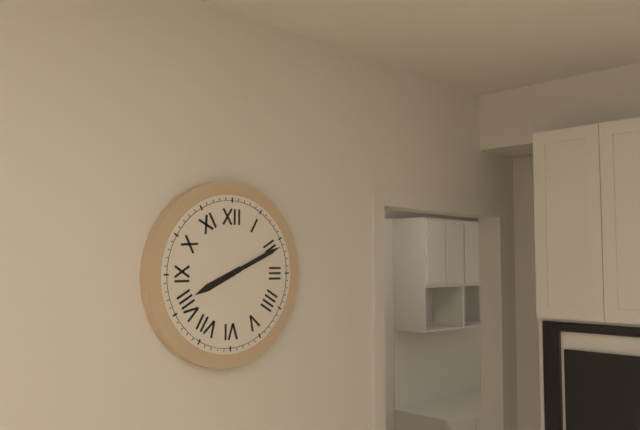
8 h 11 min
